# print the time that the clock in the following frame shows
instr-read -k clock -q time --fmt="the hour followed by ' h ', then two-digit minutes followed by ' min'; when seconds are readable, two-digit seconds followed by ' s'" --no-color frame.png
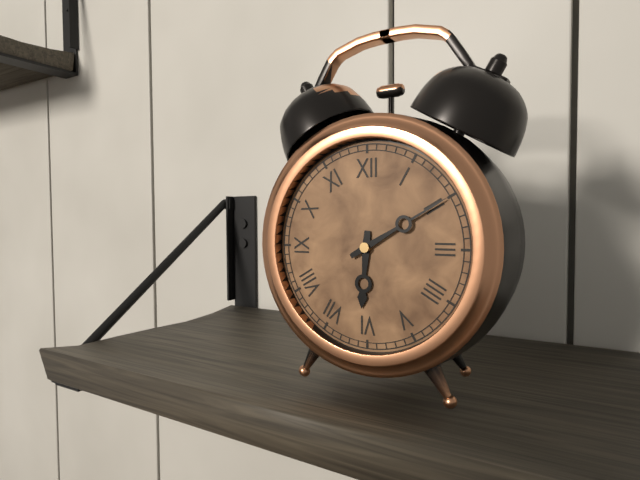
6 h 10 min
